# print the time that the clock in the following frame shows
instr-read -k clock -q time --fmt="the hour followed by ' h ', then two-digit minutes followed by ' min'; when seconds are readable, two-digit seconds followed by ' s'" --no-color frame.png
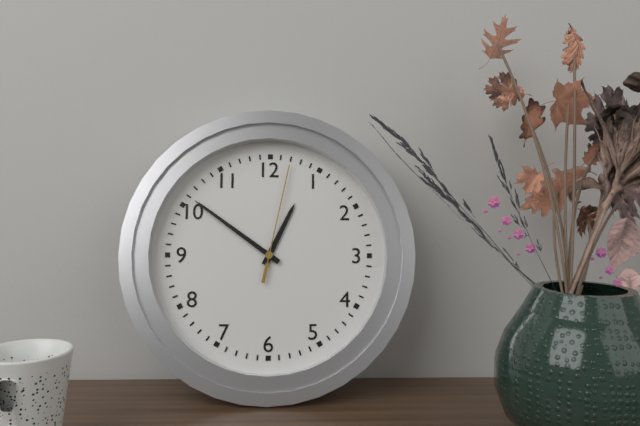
12 h 51 min 02 s
